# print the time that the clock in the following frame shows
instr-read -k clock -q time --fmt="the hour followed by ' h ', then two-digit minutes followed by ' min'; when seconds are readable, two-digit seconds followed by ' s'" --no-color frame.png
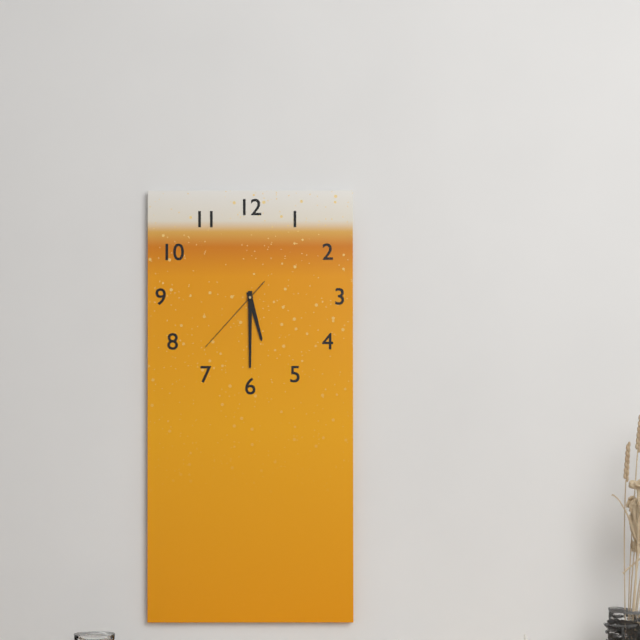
5 h 30 min 37 s
